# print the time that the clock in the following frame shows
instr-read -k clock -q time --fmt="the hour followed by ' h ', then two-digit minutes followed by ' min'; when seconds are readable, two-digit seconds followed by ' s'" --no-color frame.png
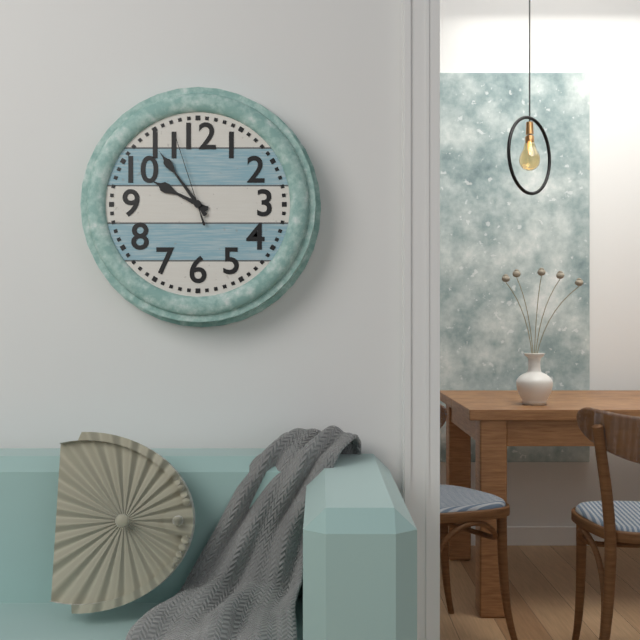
9 h 54 min 57 s
